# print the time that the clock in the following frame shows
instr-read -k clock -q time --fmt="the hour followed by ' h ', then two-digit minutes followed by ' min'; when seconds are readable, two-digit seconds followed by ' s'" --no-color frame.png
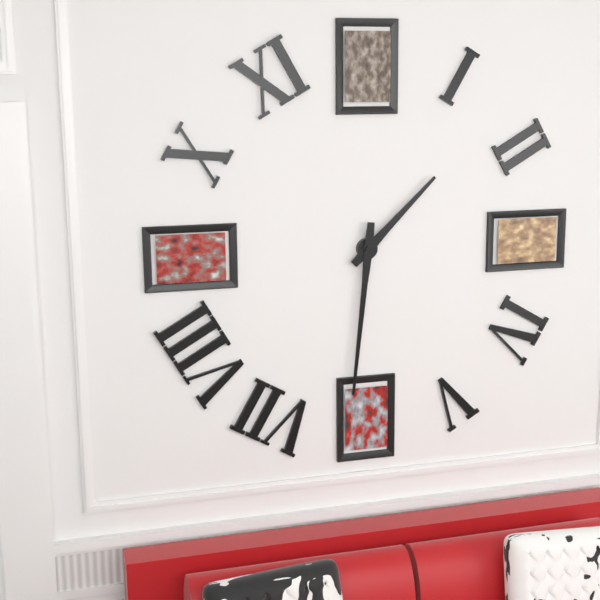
1 h 31 min
